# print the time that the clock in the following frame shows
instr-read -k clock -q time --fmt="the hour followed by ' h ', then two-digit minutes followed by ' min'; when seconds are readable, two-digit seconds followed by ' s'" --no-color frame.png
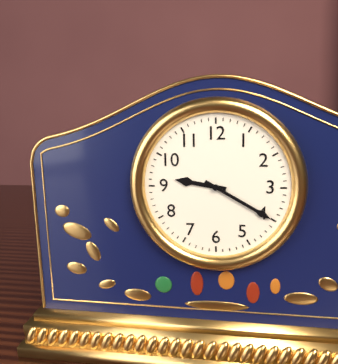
9 h 20 min
